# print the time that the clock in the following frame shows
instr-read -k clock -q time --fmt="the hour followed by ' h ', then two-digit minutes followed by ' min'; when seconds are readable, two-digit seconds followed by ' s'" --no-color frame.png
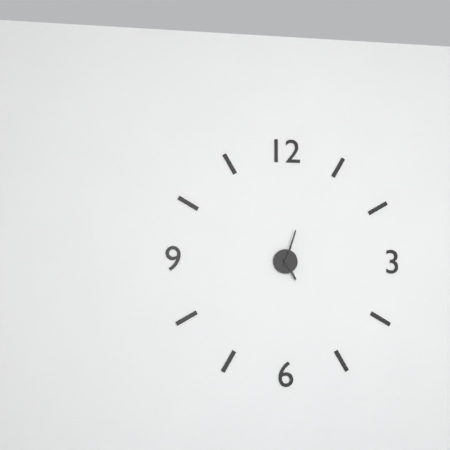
5 h 03 min
